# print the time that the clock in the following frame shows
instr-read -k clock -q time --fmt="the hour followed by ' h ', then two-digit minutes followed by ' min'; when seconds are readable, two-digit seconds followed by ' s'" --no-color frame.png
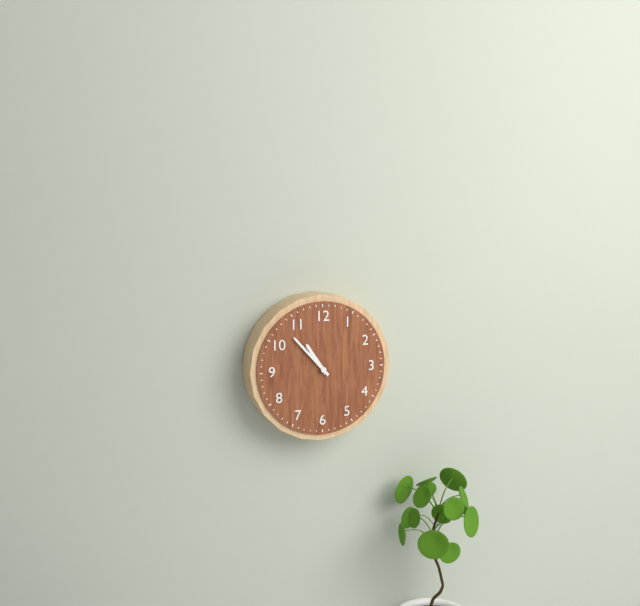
10 h 53 min
